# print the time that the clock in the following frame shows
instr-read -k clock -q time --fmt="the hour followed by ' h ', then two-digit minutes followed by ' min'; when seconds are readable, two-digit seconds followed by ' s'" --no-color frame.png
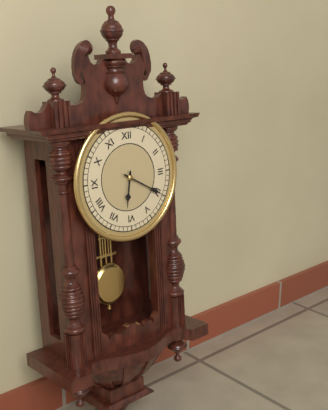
6 h 20 min
